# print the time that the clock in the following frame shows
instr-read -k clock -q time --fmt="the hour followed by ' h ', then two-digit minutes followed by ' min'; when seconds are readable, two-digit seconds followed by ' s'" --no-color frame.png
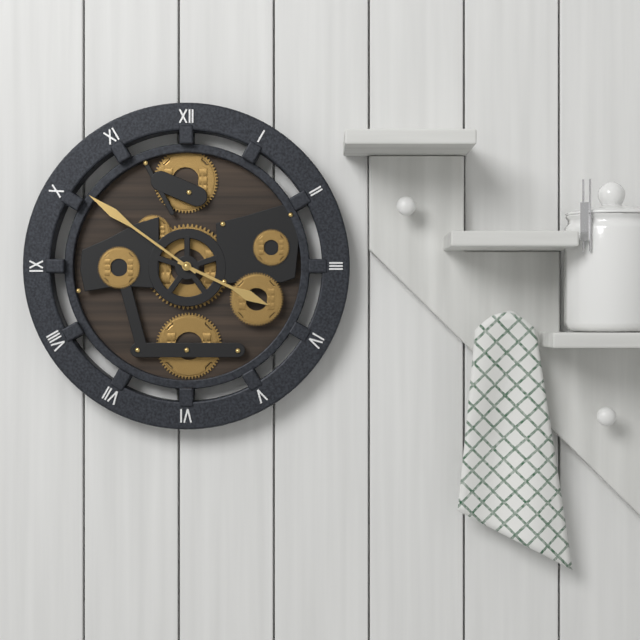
3 h 51 min
